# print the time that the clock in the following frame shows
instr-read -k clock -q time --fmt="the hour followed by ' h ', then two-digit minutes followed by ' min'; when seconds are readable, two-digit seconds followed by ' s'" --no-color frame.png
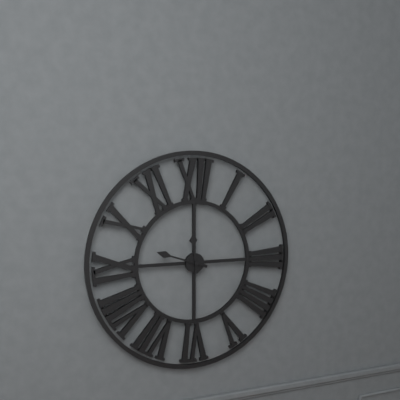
11 h 48 min
